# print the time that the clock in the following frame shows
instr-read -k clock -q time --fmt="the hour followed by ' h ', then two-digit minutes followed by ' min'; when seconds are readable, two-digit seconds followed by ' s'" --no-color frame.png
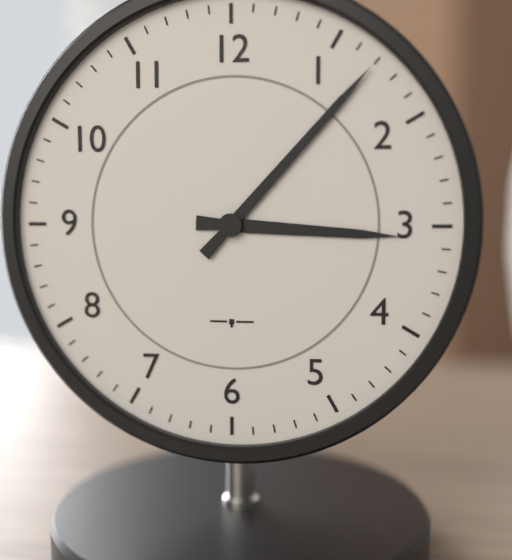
3 h 07 min
